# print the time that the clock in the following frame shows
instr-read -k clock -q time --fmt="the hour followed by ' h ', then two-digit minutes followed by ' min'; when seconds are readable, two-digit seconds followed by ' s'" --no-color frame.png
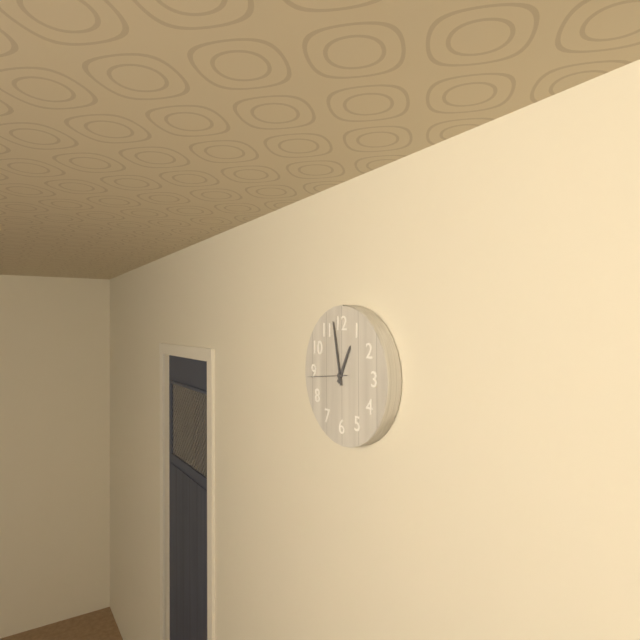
12 h 58 min
